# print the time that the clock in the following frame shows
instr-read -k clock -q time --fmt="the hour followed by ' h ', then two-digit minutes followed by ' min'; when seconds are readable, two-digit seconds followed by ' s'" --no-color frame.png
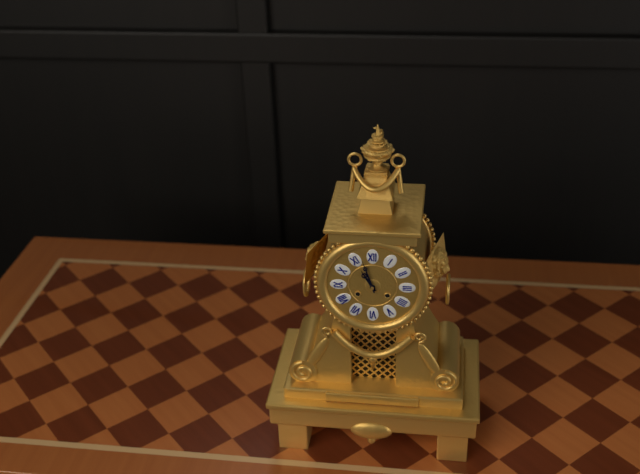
10 h 57 min
